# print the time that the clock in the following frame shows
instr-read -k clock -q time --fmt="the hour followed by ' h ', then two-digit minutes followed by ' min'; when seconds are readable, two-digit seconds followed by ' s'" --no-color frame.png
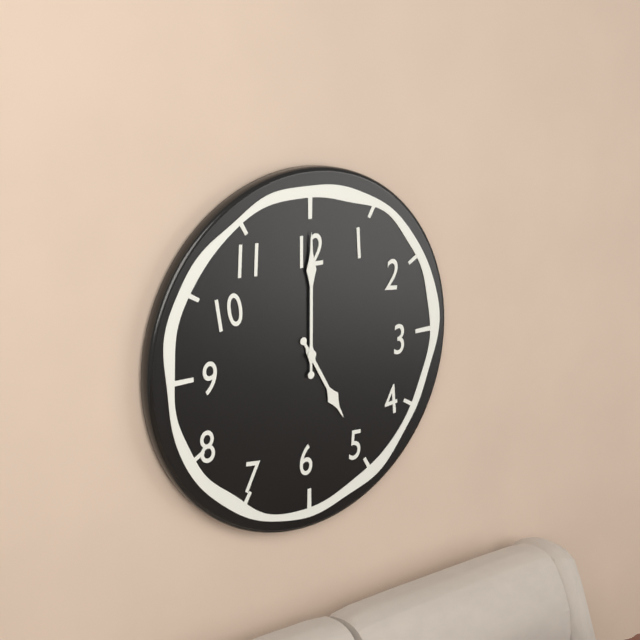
5 h 00 min
